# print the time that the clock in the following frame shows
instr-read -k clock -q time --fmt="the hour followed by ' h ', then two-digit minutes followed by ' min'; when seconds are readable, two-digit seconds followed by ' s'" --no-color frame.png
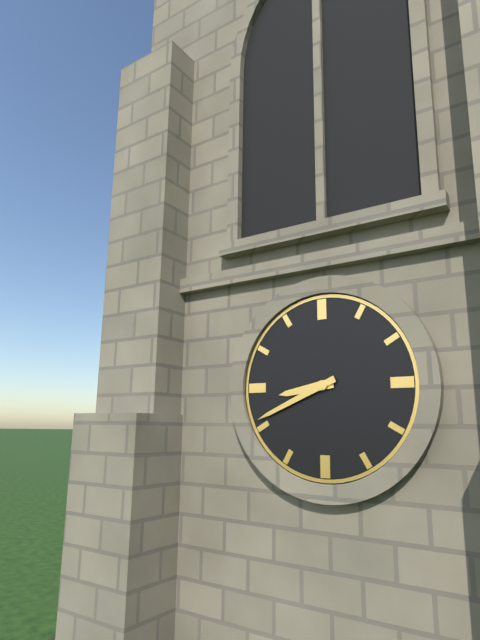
8 h 41 min
